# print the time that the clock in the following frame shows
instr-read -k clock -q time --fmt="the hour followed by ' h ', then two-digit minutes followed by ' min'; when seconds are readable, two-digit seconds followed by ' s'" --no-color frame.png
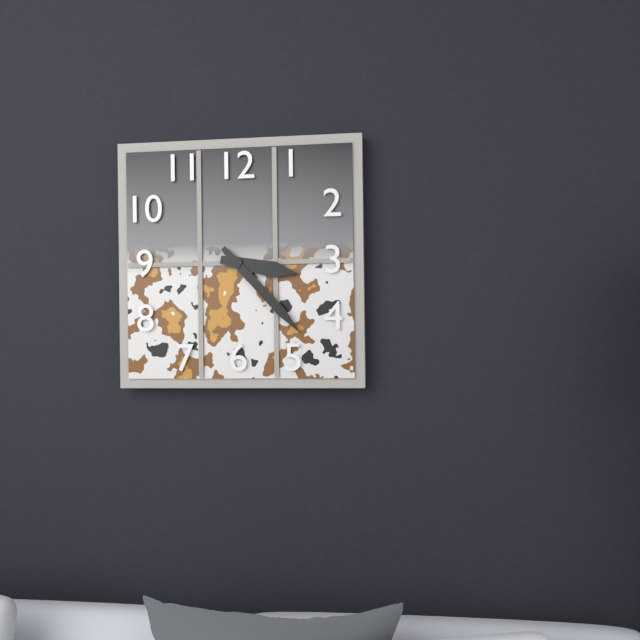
3 h 23 min
